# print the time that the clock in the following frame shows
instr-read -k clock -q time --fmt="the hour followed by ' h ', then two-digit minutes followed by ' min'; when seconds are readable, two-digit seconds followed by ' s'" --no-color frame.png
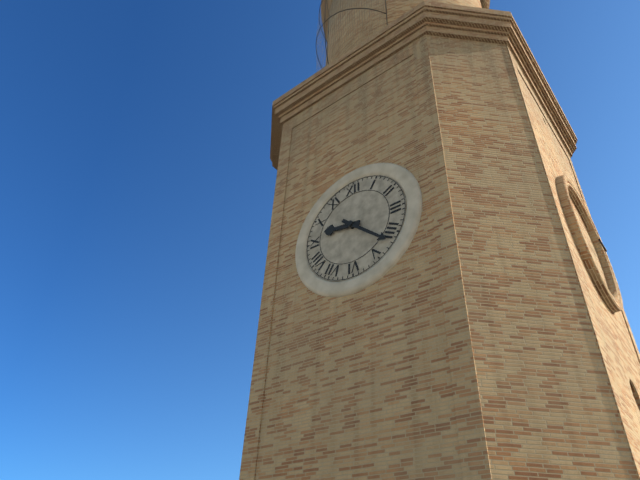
9 h 22 min
